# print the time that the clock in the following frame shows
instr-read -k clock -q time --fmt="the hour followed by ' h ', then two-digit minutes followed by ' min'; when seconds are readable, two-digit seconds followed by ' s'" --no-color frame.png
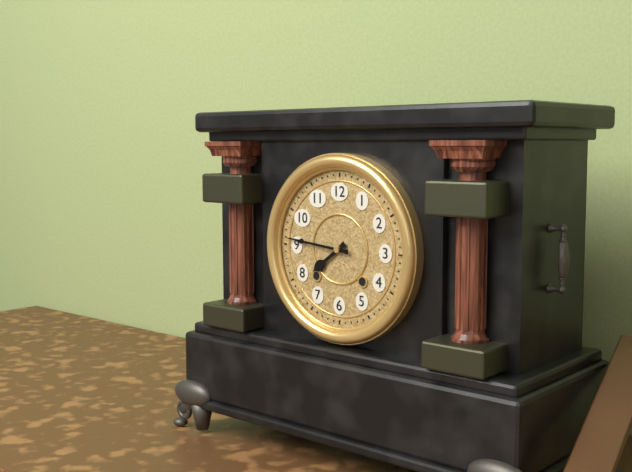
7 h 46 min
